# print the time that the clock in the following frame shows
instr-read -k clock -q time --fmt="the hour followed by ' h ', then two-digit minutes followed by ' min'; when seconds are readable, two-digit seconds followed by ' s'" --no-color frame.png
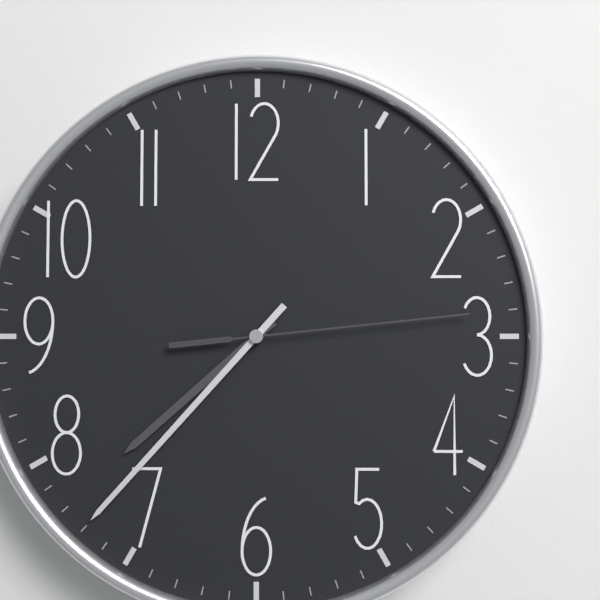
7 h 37 min 14 s
